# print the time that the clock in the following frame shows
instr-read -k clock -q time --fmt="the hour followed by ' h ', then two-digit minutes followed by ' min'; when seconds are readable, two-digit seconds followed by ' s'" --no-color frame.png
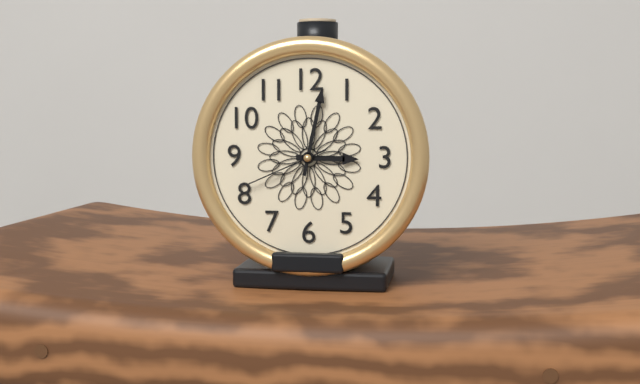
3 h 02 min 41 s
